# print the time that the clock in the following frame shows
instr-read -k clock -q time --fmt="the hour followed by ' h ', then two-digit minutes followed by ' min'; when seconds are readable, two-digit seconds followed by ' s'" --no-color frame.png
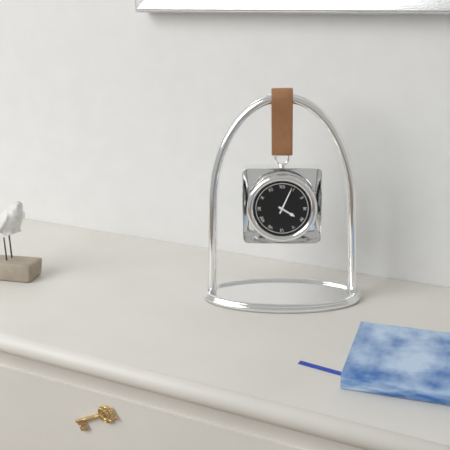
4 h 04 min
